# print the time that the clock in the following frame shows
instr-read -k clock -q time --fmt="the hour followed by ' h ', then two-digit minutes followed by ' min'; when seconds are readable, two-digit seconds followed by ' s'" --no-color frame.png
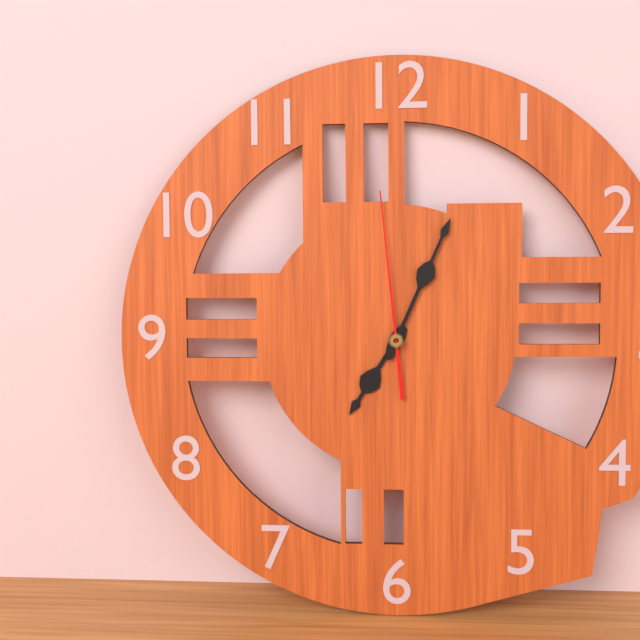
7 h 04 min 59 s
